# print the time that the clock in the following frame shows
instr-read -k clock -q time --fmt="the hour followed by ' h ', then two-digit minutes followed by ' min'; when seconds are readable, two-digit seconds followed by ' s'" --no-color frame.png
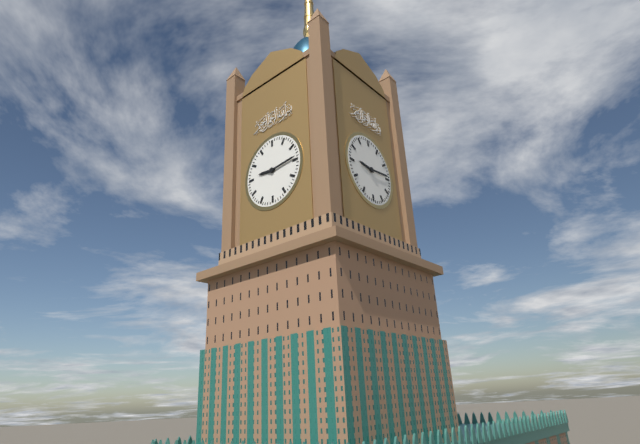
9 h 14 min
